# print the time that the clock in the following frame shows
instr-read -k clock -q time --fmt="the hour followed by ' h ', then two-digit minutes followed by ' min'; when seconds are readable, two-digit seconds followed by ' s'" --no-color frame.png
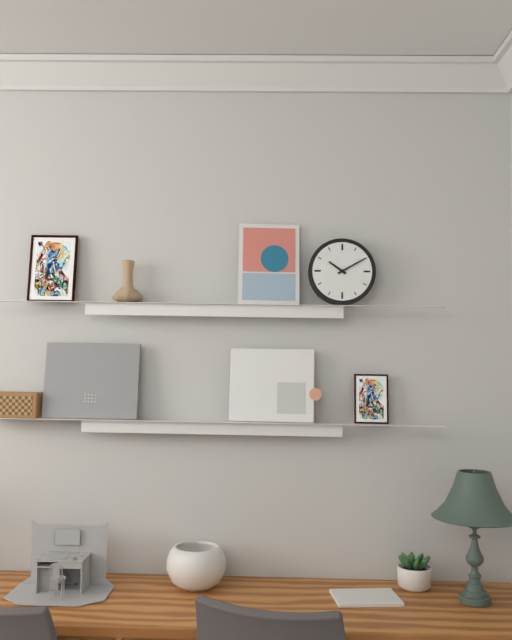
10 h 10 min
